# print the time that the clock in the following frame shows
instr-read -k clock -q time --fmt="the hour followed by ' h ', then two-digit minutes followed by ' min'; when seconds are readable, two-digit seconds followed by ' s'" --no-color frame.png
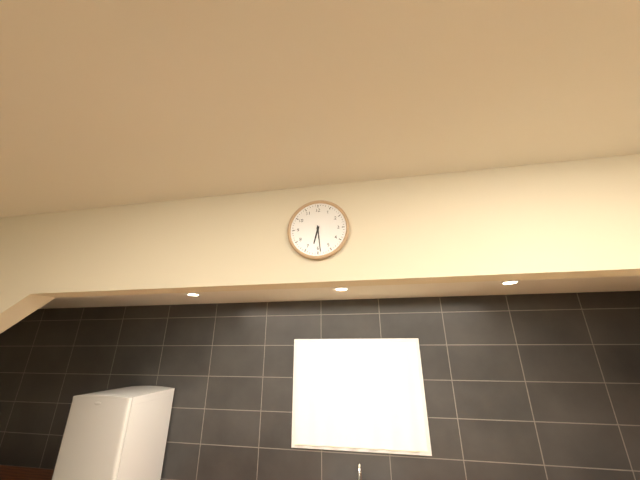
6 h 29 min
